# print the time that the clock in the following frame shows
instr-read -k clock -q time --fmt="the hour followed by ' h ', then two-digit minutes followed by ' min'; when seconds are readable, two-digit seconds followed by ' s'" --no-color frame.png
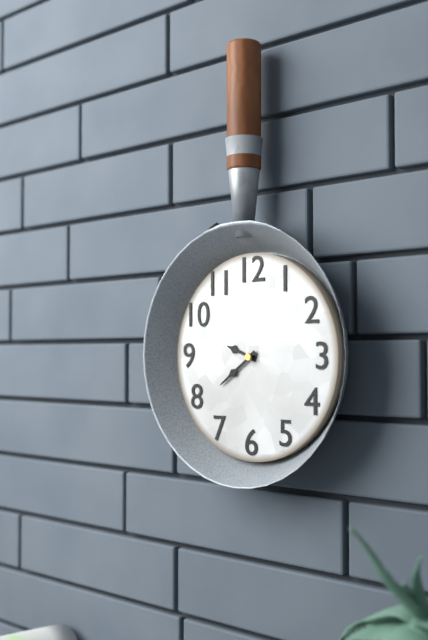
9 h 39 min
